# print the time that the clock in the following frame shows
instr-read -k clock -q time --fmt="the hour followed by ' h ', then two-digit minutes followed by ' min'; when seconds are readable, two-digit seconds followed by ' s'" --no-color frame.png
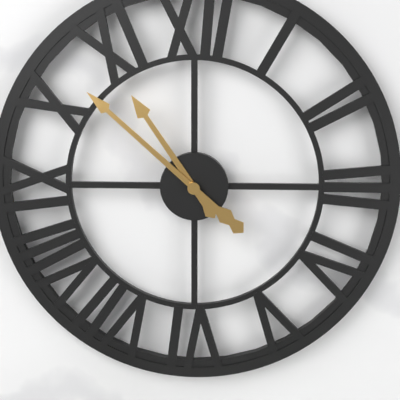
10 h 52 min
